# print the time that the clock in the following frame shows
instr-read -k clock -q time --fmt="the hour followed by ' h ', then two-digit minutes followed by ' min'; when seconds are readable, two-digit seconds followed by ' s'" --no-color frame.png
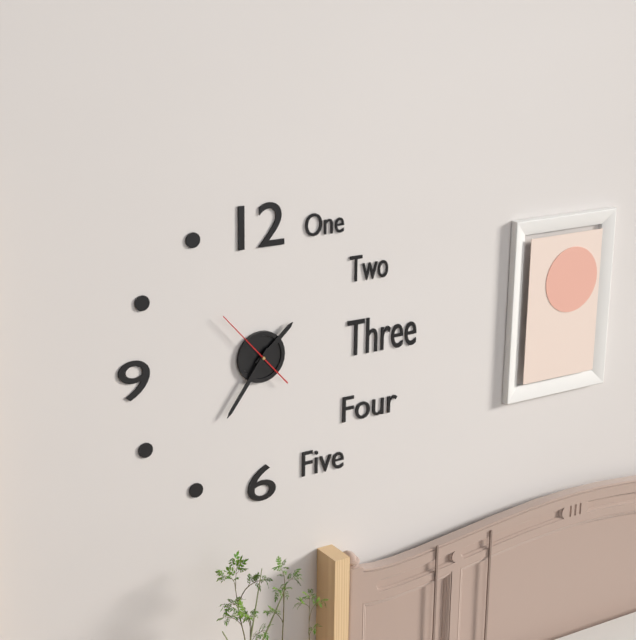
1 h 36 min 53 s
